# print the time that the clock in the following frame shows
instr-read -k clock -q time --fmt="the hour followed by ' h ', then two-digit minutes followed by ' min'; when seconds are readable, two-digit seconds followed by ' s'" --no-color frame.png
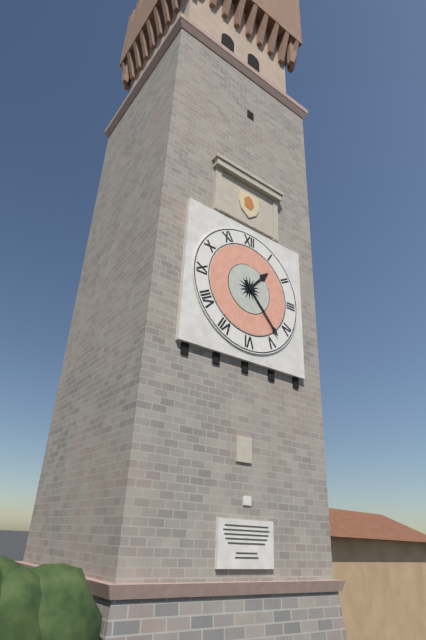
1 h 23 min
